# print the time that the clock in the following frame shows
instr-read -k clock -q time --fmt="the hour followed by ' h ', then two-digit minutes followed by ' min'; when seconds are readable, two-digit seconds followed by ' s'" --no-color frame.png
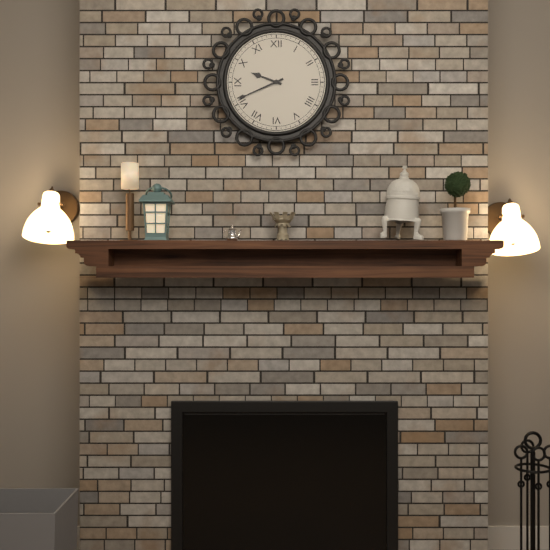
9 h 41 min
